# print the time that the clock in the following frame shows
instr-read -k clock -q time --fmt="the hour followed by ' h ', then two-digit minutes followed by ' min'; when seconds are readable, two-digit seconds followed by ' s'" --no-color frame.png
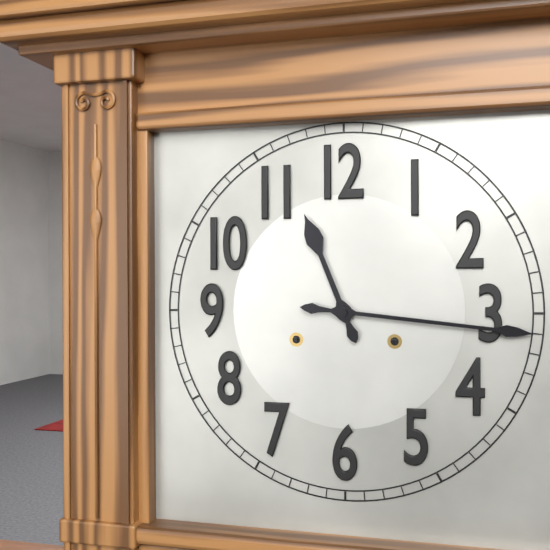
11 h 16 min
